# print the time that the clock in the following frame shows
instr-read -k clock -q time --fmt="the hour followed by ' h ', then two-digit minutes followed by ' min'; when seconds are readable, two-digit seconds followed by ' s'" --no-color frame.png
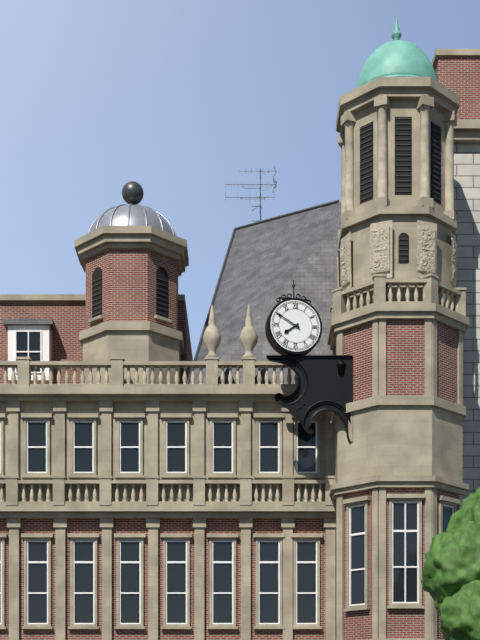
7 h 50 min
